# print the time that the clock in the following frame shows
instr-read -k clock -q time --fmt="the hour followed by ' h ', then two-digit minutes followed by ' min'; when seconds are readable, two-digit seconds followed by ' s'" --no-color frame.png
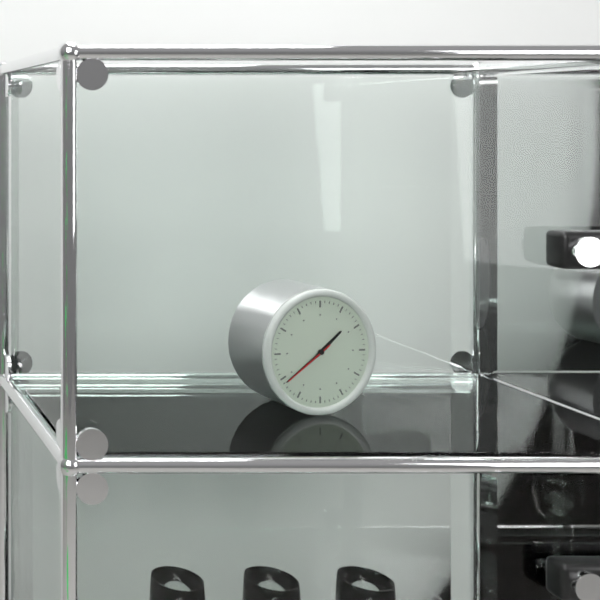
1 h 39 min 39 s
